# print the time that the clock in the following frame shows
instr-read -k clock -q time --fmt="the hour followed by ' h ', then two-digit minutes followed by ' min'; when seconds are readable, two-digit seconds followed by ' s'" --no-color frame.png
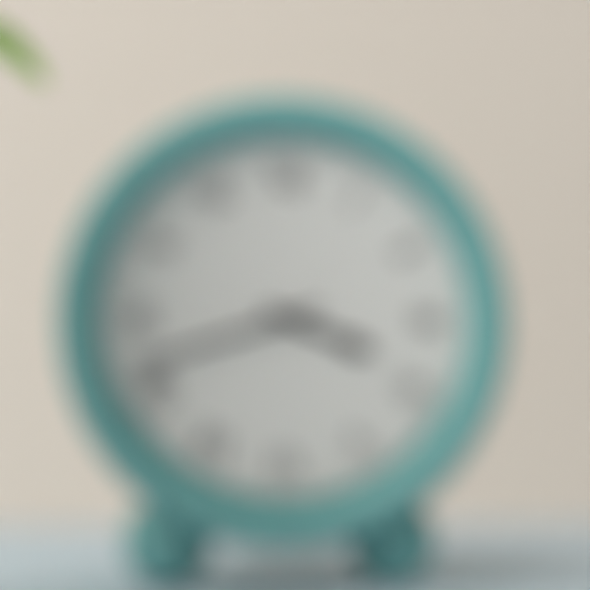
3 h 42 min
